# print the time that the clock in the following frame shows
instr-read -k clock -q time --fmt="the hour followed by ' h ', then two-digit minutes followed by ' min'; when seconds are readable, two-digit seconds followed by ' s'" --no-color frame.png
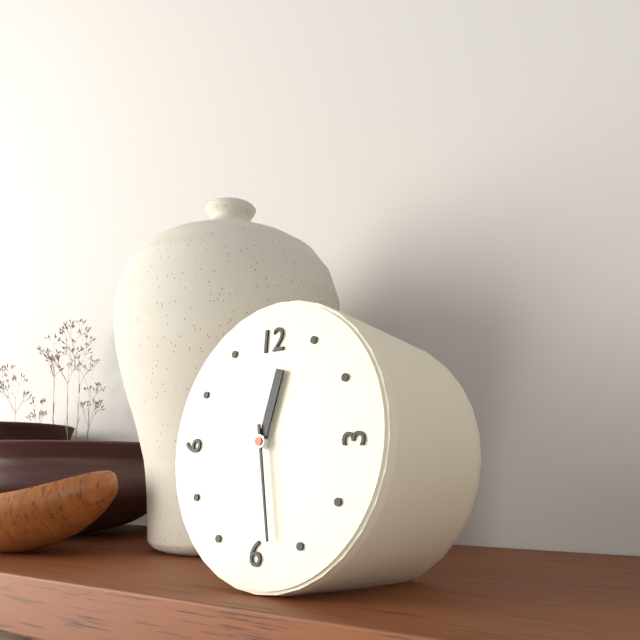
12 h 28 min
